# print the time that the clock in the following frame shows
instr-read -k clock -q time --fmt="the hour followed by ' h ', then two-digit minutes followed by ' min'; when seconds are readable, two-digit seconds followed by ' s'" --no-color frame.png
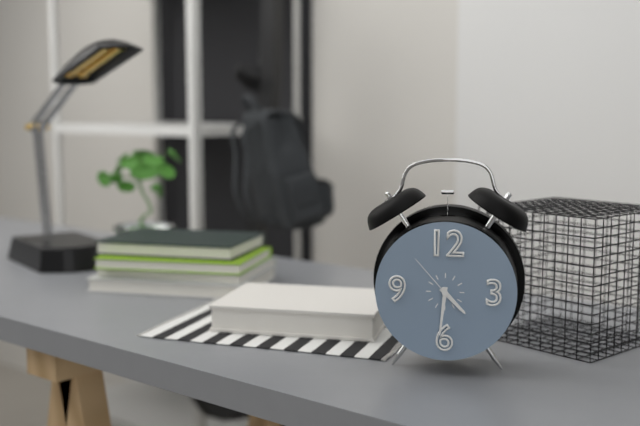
4 h 31 min 53 s
